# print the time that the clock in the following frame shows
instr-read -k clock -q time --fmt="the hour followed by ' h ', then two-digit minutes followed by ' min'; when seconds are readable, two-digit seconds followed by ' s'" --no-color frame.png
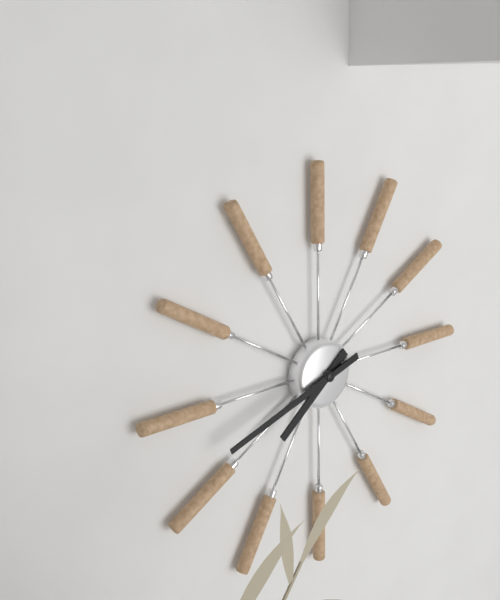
7 h 42 min
